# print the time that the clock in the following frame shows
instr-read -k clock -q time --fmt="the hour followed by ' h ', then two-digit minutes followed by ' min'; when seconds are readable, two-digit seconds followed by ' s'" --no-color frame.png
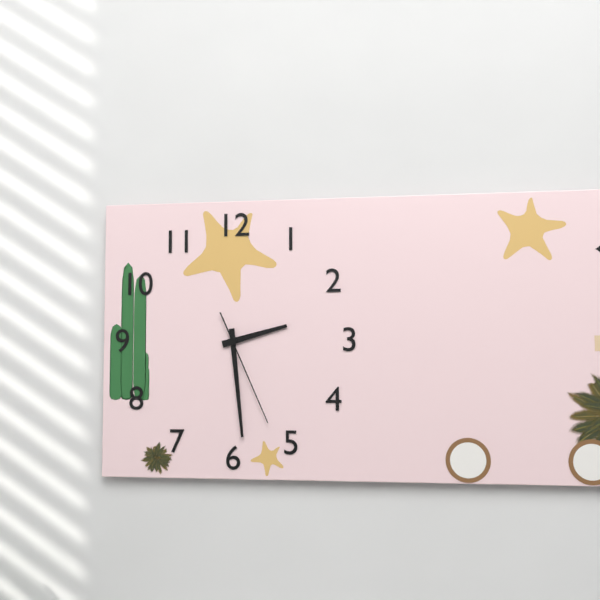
2 h 29 min 26 s
